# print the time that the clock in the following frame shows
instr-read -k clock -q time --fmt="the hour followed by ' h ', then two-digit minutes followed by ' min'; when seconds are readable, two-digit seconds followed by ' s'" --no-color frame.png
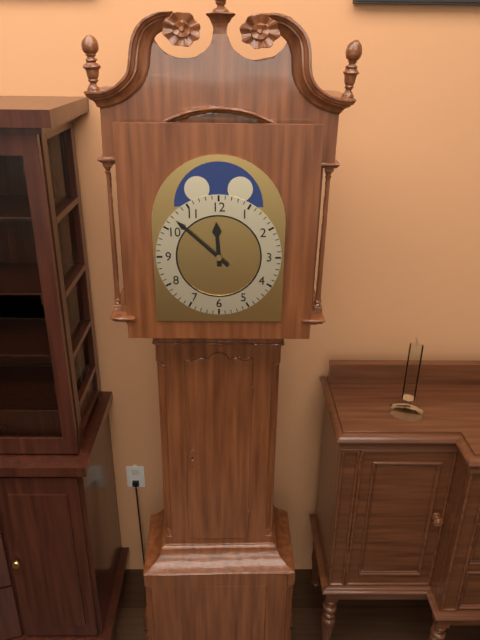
11 h 52 min
